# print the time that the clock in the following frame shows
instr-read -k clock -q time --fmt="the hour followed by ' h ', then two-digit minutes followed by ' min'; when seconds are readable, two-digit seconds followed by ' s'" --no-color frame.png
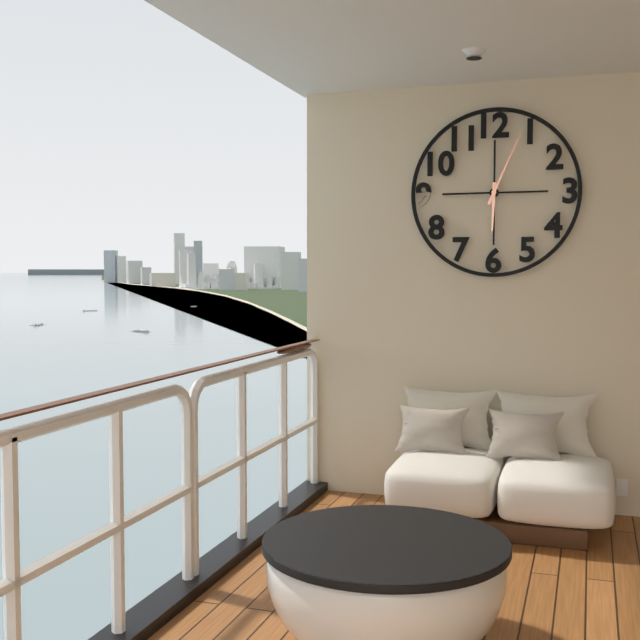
6 h 04 min
